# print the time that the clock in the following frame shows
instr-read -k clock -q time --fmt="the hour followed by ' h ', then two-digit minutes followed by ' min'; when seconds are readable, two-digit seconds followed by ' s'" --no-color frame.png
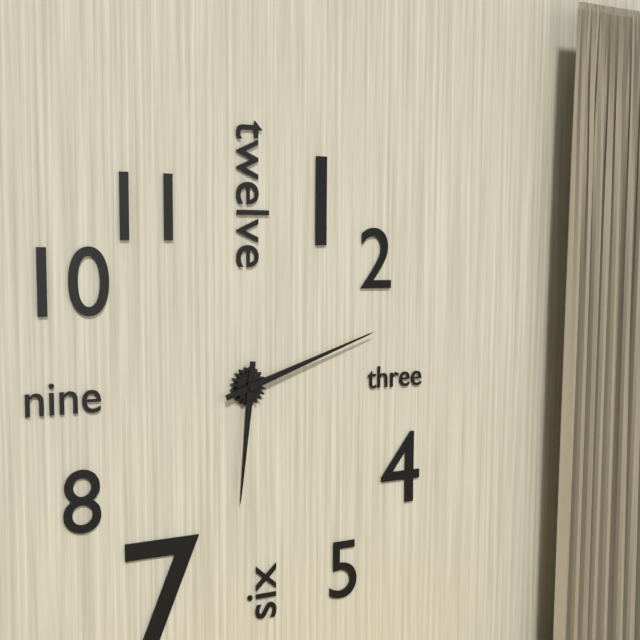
6 h 12 min
